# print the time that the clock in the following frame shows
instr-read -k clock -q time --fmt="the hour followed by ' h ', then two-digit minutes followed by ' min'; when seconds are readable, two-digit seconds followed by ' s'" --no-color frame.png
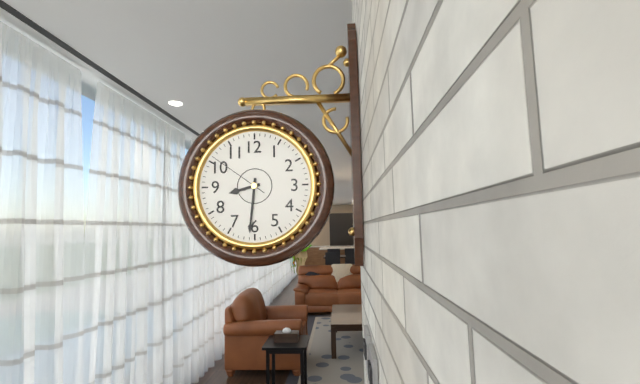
8 h 31 min 51 s
